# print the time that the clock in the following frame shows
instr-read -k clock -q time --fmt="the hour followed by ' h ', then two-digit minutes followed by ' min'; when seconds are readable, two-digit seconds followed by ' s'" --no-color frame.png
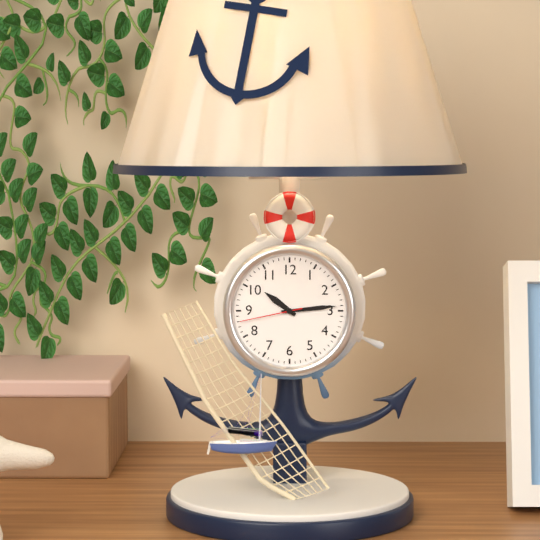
10 h 14 min 43 s
